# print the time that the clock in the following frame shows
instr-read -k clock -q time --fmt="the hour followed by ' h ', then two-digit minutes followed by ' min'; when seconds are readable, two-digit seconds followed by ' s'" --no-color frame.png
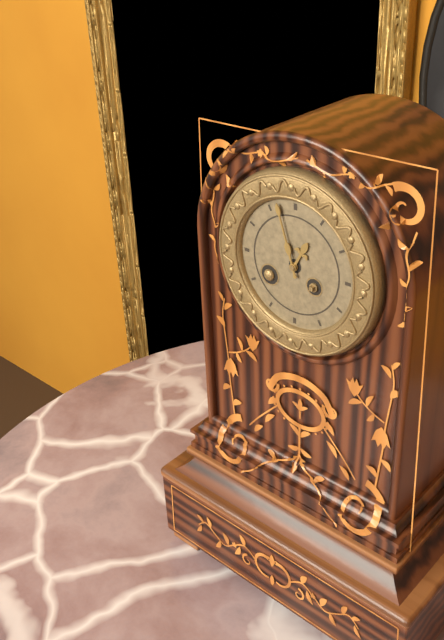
12 h 57 min
